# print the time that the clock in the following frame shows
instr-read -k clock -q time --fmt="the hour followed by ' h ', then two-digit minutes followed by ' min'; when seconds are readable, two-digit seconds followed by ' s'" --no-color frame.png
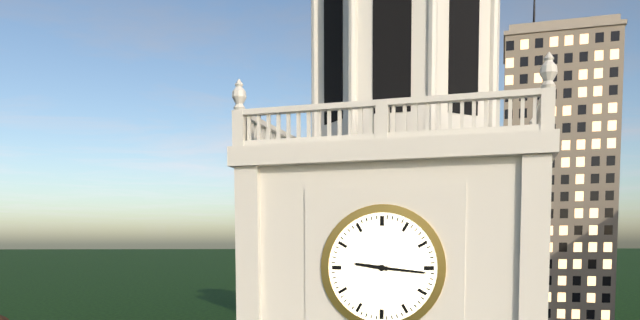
9 h 16 min
